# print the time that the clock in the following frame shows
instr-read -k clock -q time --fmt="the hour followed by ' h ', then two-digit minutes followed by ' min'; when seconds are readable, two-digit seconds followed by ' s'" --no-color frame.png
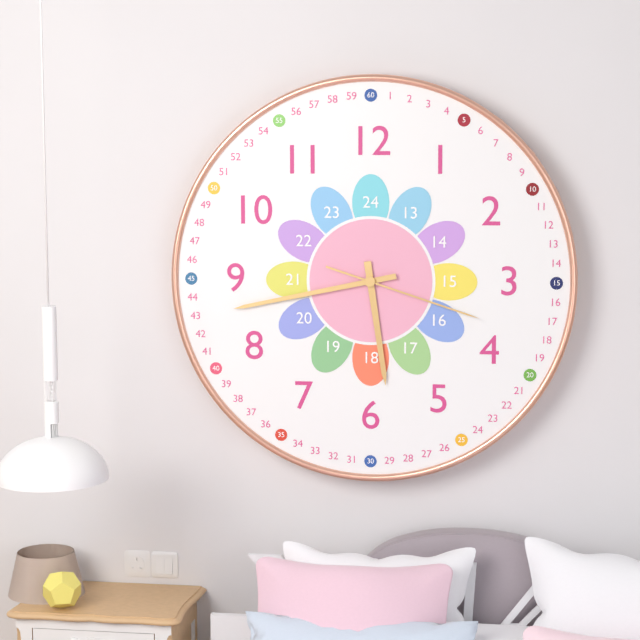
5 h 43 min 18 s
